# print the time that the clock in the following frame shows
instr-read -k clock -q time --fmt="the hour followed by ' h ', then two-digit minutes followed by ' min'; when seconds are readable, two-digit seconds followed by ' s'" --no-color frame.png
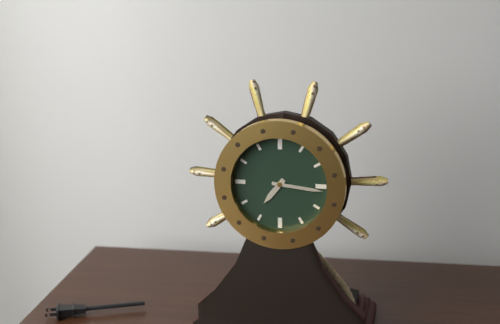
7 h 16 min
